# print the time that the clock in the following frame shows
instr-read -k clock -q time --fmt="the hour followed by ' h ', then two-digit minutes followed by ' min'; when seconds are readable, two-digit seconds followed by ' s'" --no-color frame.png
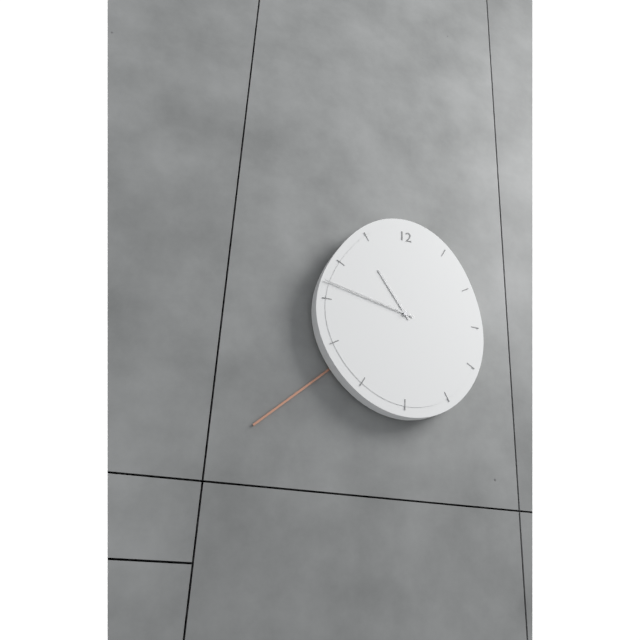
10 h 47 min 38 s
